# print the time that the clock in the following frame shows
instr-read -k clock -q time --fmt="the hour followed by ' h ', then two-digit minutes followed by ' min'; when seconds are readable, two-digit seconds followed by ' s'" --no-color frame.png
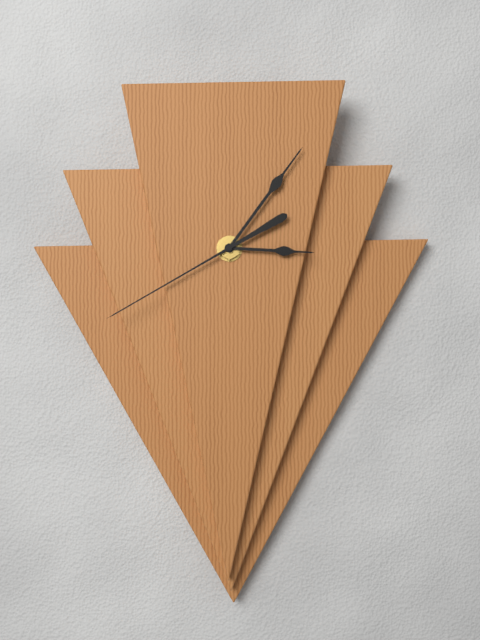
3 h 06 min 40 s
